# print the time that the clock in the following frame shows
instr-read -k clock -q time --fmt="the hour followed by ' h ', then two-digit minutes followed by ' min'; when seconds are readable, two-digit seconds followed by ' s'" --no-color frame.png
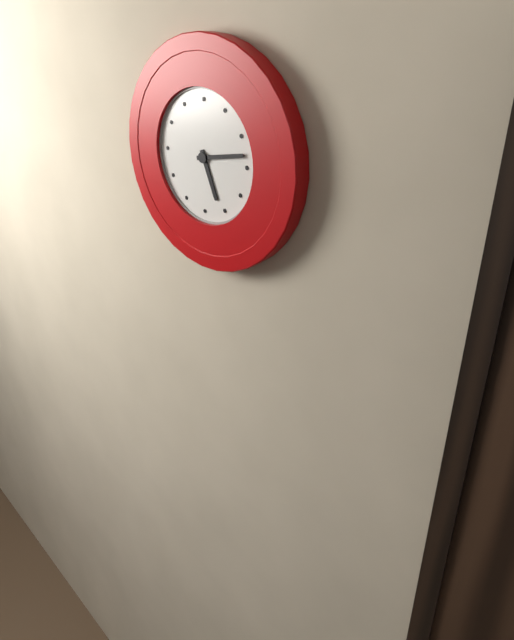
5 h 13 min
